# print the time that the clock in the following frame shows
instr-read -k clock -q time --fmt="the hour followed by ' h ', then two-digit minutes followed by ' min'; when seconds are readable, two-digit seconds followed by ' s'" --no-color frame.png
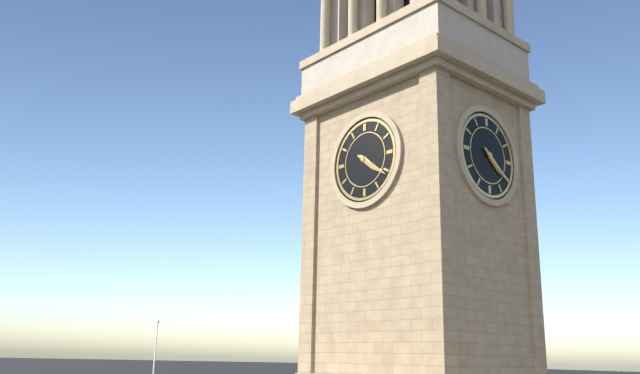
4 h 21 min
